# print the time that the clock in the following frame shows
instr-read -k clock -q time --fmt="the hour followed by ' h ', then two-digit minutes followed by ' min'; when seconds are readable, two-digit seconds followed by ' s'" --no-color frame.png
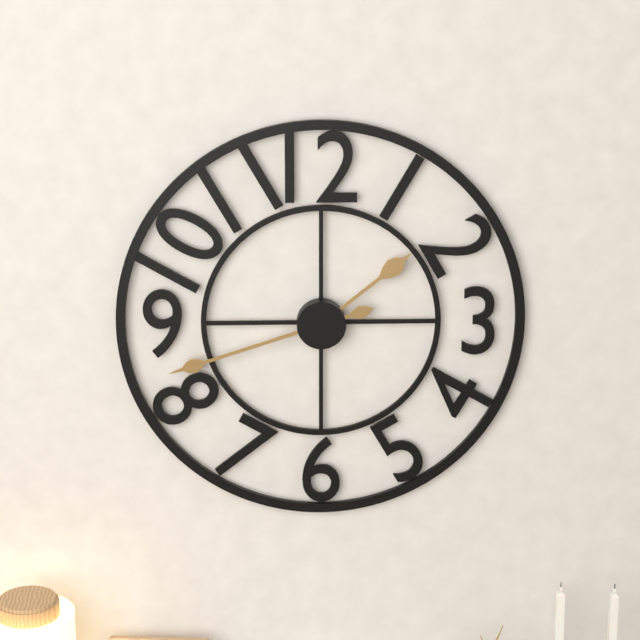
1 h 42 min
